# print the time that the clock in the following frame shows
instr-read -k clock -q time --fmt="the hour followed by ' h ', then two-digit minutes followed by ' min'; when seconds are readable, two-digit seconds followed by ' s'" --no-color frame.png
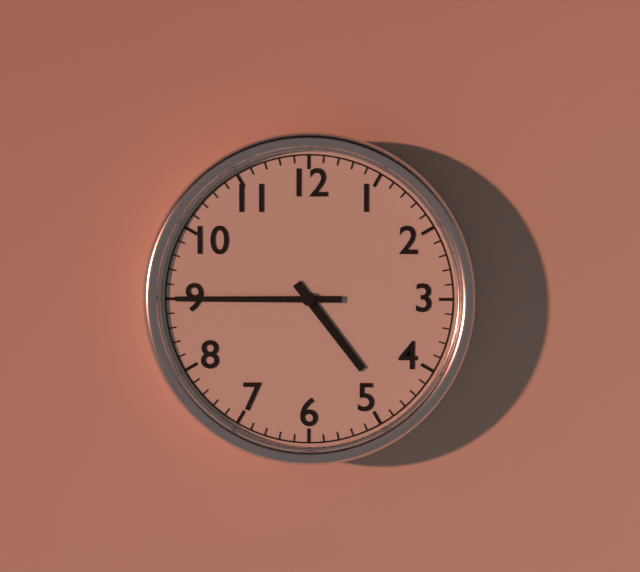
4 h 45 min
